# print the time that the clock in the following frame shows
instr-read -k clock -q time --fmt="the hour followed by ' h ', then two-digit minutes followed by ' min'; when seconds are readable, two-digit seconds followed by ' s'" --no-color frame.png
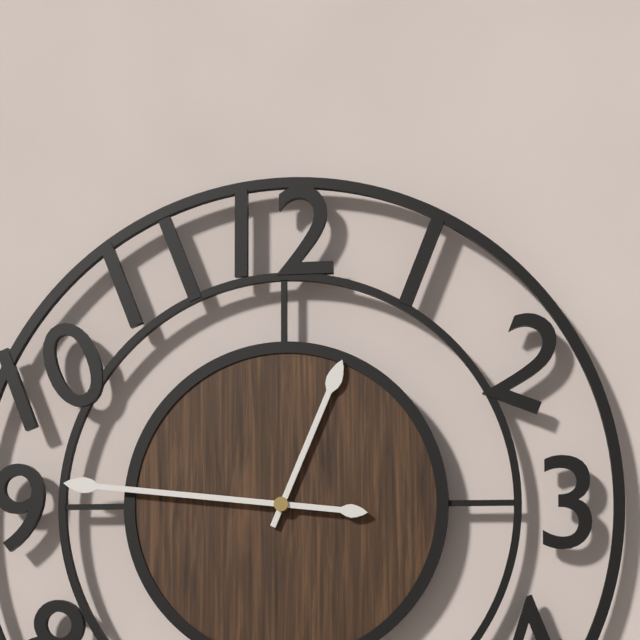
12 h 46 min
